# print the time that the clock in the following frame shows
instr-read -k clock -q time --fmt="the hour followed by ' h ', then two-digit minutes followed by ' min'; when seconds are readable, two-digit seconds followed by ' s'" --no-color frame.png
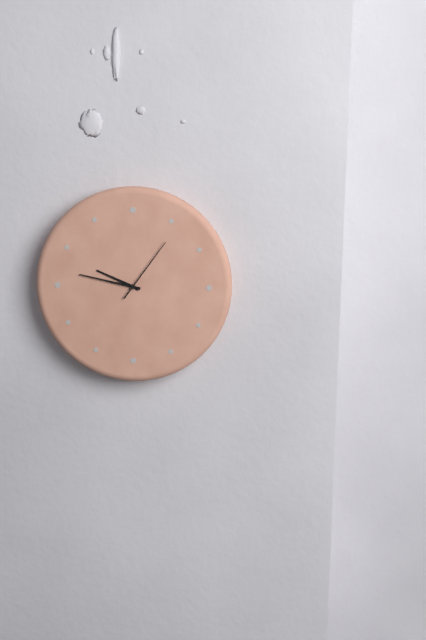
9 h 47 min 06 s
